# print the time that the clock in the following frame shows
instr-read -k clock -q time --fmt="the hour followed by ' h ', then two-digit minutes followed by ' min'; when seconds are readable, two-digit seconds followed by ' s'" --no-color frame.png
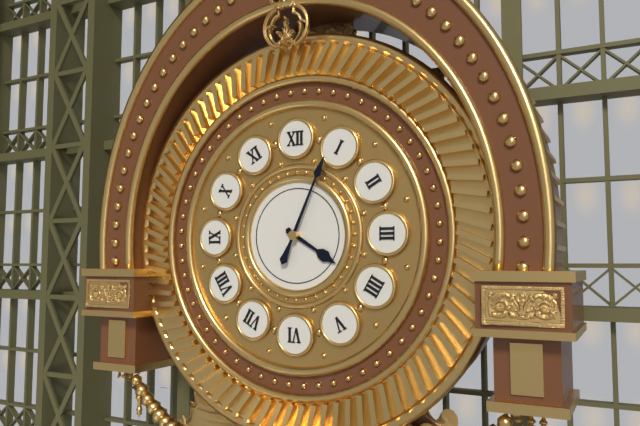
4 h 04 min
